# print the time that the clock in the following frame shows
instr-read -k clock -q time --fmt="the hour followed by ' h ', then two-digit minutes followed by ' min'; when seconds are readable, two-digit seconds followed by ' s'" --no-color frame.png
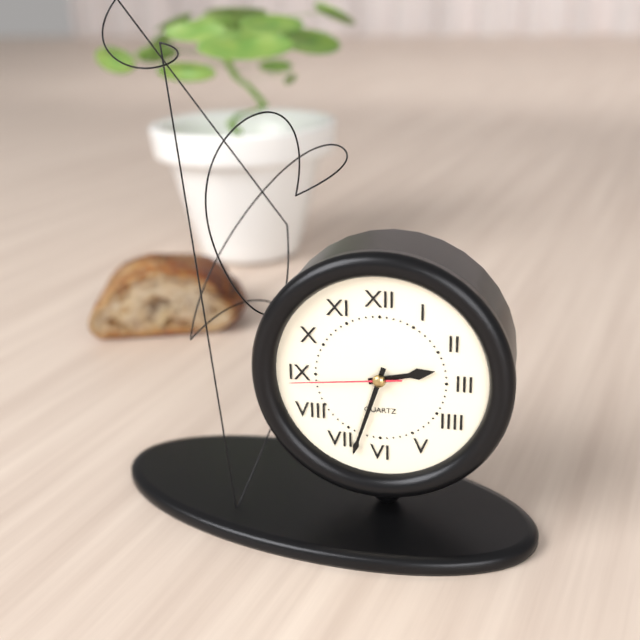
2 h 33 min 44 s
